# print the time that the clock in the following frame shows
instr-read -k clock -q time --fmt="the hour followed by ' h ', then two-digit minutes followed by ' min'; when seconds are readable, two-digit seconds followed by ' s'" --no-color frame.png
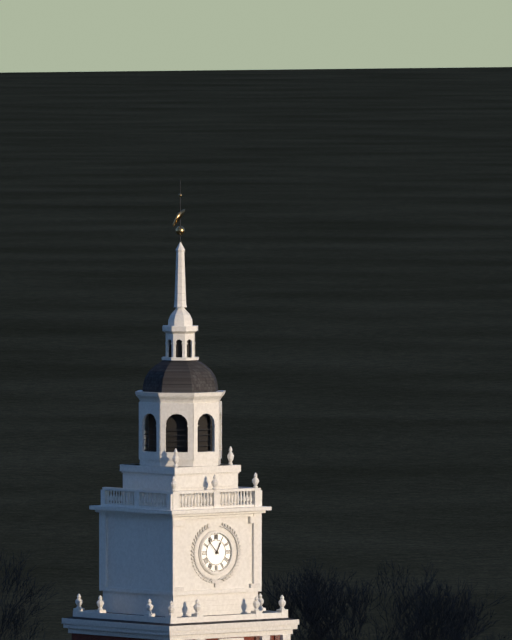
12 h 53 min
